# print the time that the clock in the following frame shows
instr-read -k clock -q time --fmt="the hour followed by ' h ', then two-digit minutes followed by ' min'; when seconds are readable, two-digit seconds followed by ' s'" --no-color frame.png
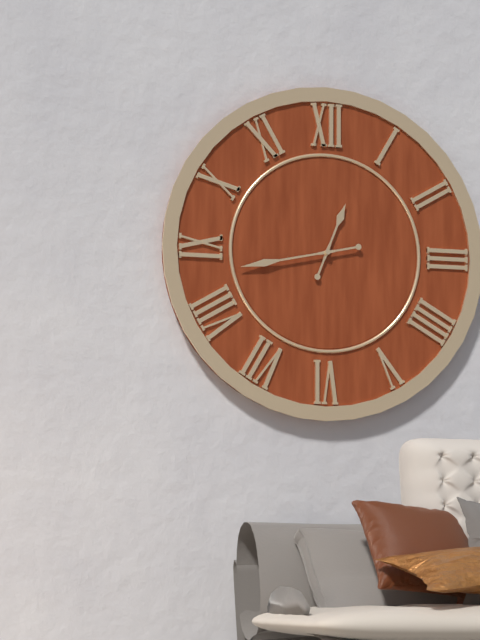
12 h 43 min
